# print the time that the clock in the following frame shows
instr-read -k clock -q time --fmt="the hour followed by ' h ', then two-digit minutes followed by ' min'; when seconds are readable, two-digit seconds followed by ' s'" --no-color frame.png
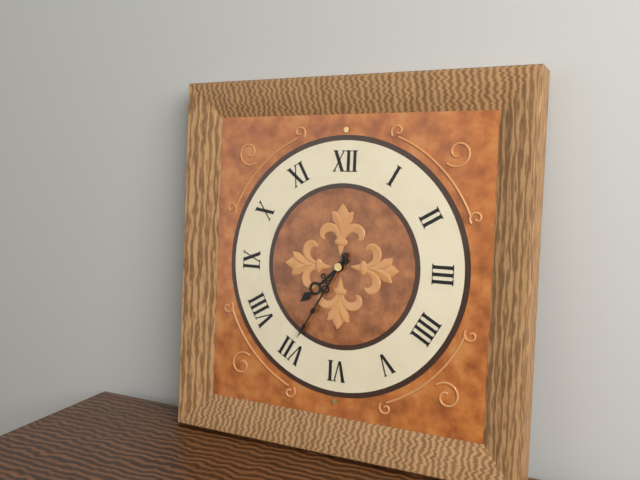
7 h 35 min
